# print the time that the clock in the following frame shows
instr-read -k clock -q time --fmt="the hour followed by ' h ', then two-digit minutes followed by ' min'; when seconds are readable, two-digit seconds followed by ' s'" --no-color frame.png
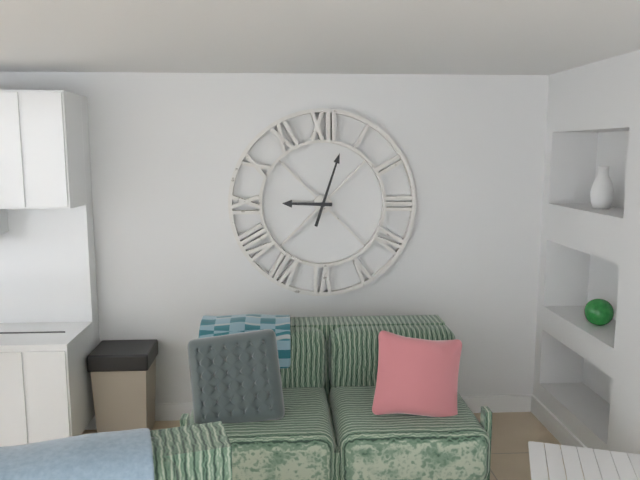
9 h 03 min
